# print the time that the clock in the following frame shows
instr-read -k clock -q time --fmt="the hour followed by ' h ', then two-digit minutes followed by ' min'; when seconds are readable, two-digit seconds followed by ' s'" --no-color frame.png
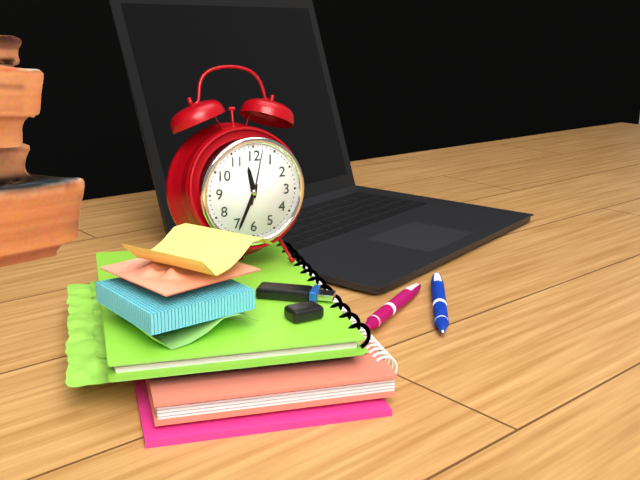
11 h 34 min 02 s
